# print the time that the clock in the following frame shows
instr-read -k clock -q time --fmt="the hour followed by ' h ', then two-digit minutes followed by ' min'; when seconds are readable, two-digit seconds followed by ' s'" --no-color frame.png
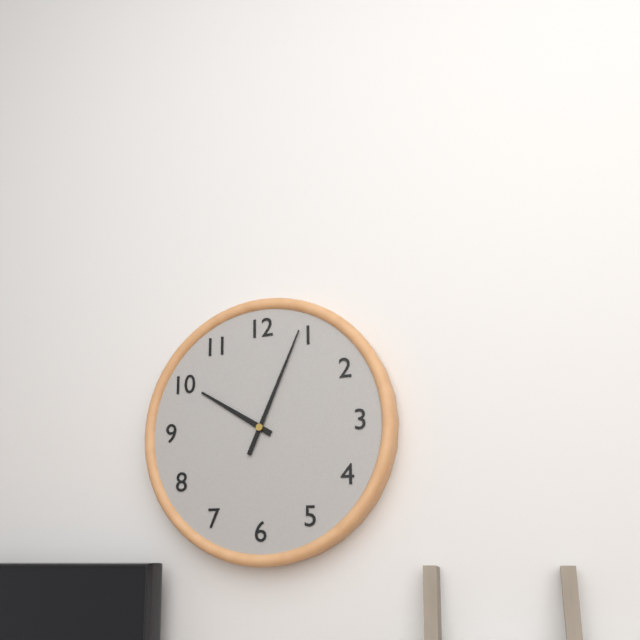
10 h 04 min
